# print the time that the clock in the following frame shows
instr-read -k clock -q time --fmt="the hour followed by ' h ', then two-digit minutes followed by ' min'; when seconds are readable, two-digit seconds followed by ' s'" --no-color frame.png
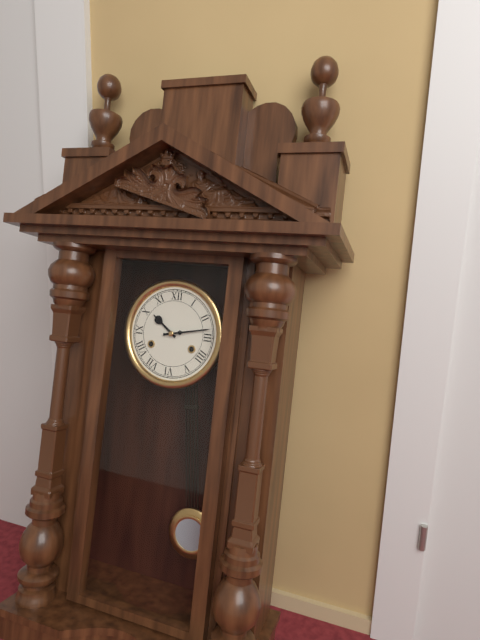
10 h 13 min
